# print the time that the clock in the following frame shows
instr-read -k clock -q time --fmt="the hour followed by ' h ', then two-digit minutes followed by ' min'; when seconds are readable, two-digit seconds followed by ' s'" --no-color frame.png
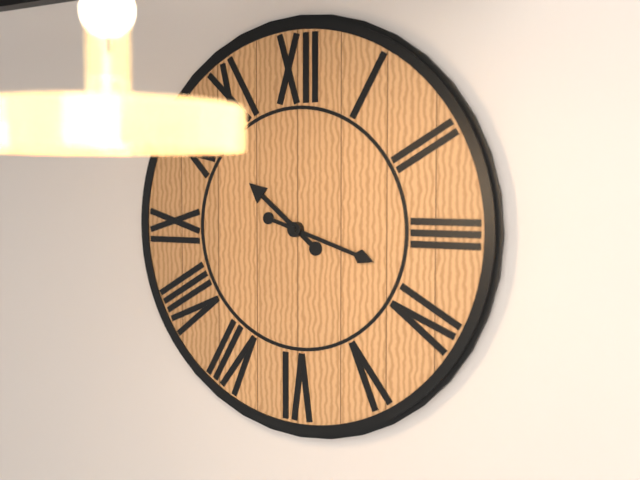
10 h 18 min
